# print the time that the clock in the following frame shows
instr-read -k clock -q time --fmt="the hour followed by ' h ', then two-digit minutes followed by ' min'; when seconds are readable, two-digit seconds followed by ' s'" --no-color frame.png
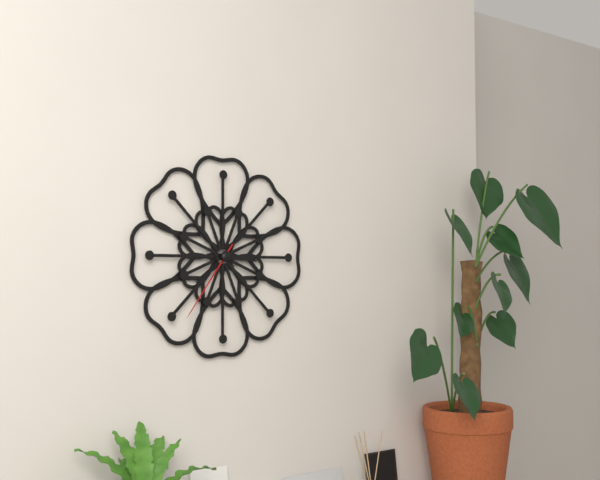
3 h 11 min 36 s
